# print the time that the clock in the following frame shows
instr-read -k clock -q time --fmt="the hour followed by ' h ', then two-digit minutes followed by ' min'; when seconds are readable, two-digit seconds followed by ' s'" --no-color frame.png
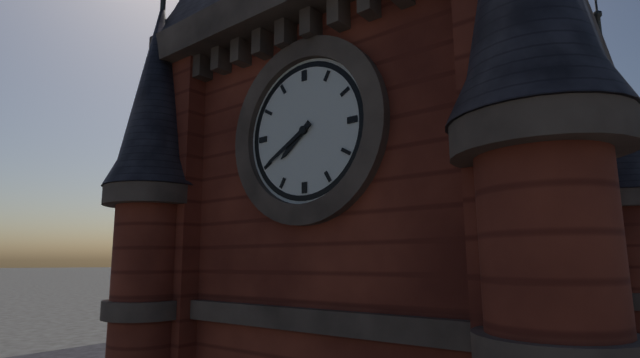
7 h 40 min
